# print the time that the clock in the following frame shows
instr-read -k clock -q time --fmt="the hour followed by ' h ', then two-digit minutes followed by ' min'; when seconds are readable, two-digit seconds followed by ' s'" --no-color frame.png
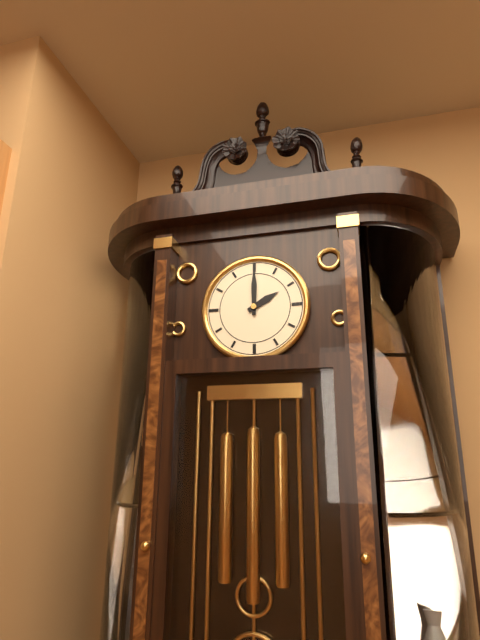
2 h 00 min
